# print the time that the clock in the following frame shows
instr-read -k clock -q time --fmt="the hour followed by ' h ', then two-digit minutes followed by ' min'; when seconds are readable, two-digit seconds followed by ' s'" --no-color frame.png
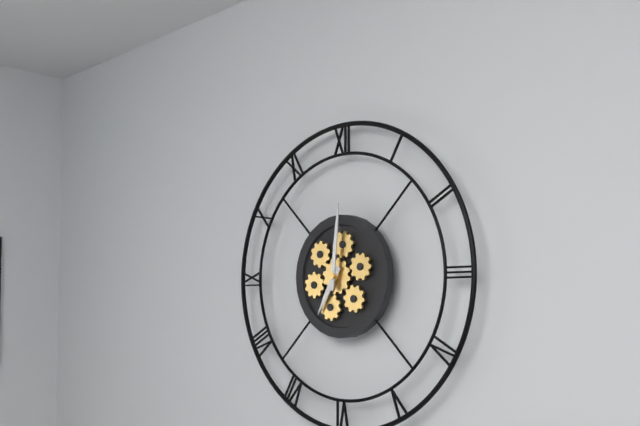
7 h 01 min
